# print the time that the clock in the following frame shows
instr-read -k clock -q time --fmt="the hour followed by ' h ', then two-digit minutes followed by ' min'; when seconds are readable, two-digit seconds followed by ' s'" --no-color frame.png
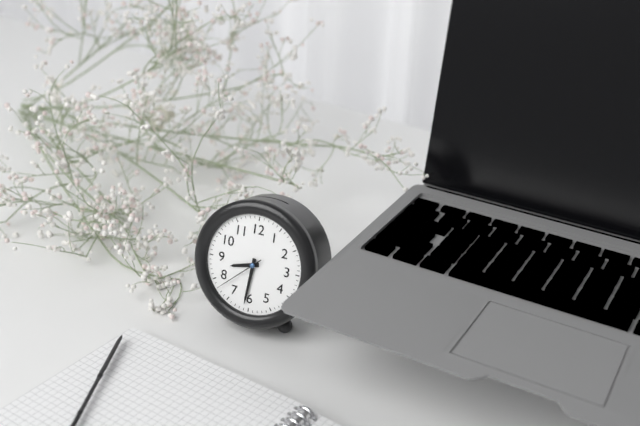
8 h 31 min 38 s
